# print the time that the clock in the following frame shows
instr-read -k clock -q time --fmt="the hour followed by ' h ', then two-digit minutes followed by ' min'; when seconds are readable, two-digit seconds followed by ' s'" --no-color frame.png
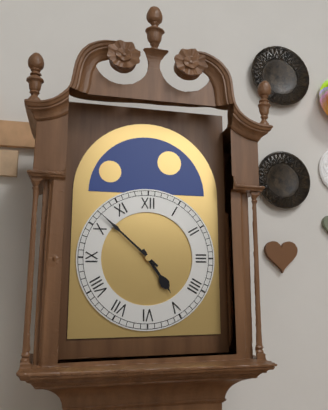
4 h 52 min
